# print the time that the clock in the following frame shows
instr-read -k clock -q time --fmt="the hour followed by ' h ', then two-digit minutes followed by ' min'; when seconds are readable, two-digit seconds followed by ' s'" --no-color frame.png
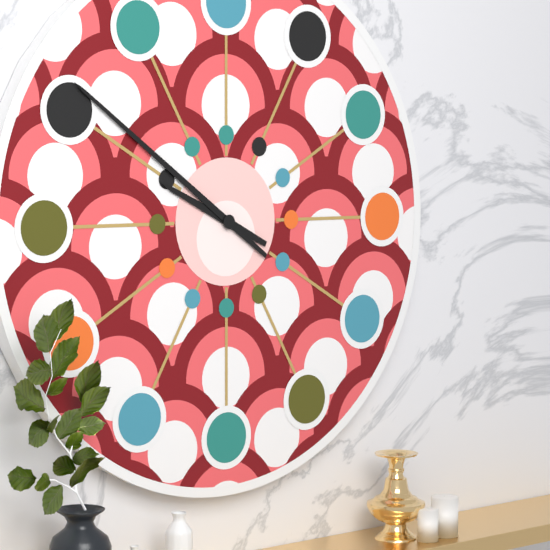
9 h 51 min
